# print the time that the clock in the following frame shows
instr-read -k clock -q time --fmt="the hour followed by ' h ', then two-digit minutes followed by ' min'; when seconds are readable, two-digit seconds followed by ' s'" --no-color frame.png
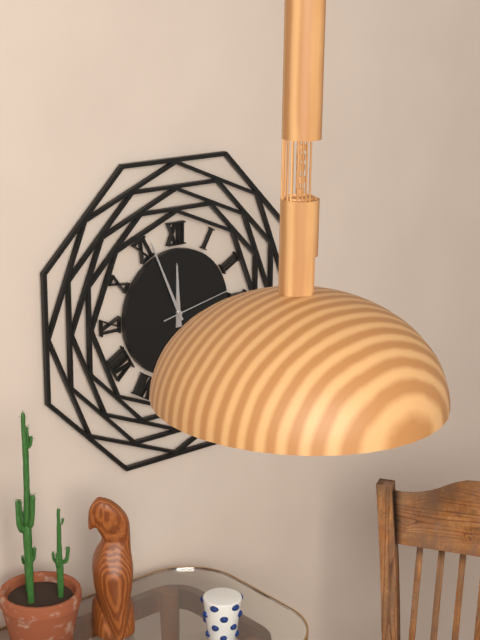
11 h 56 min 13 s
